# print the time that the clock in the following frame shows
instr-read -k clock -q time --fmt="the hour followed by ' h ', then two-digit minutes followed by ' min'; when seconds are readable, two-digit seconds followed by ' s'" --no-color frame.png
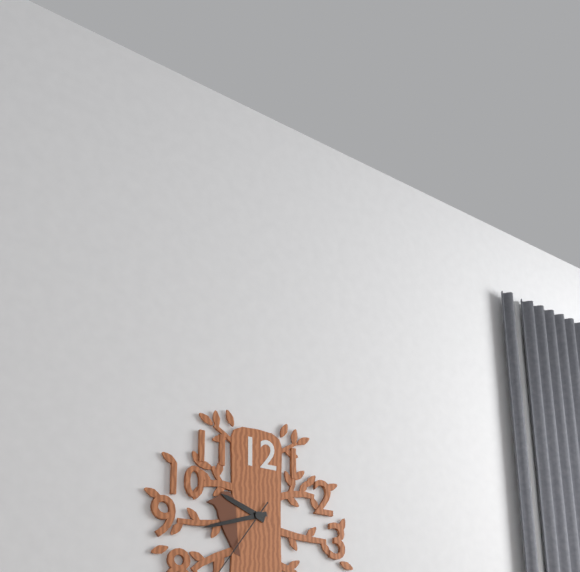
9 h 42 min
